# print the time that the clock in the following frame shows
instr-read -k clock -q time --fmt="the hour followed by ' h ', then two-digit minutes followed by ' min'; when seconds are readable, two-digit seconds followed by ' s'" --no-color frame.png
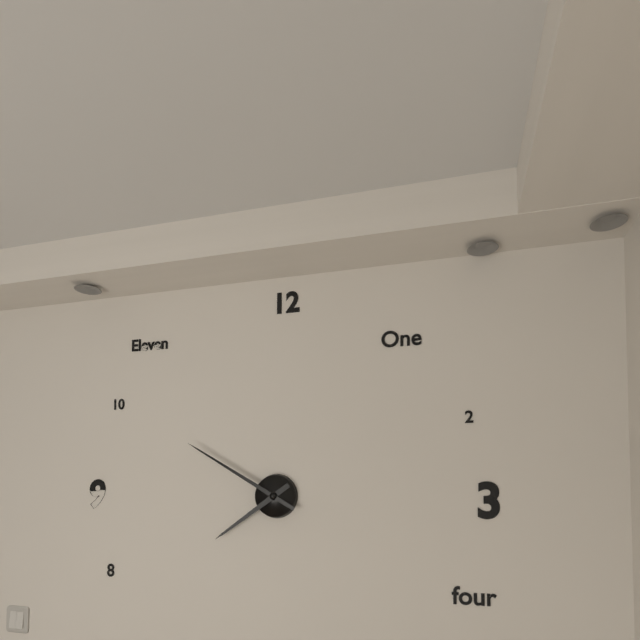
7 h 50 min
